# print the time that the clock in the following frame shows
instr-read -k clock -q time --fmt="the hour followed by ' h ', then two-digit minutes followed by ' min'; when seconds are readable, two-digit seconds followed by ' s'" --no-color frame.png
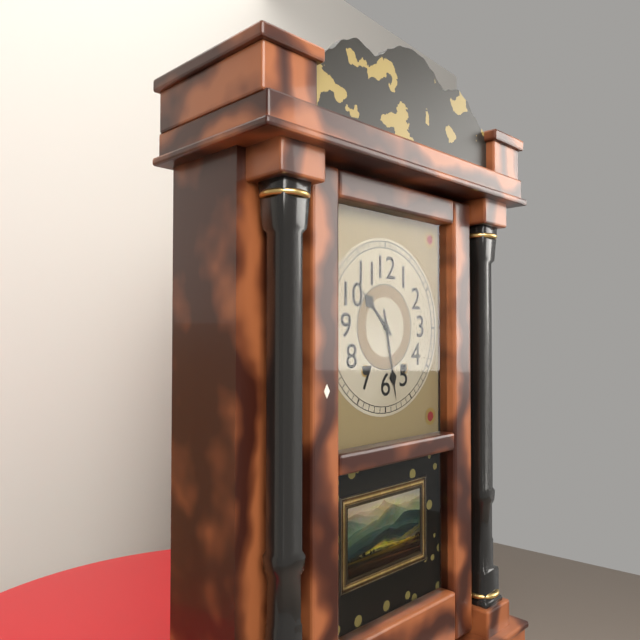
10 h 28 min
